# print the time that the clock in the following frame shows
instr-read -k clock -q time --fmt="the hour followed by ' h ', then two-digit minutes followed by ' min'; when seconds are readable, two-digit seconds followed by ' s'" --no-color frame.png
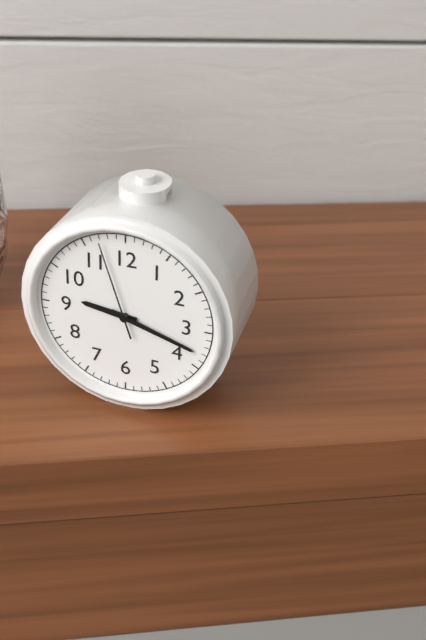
9 h 18 min 57 s
